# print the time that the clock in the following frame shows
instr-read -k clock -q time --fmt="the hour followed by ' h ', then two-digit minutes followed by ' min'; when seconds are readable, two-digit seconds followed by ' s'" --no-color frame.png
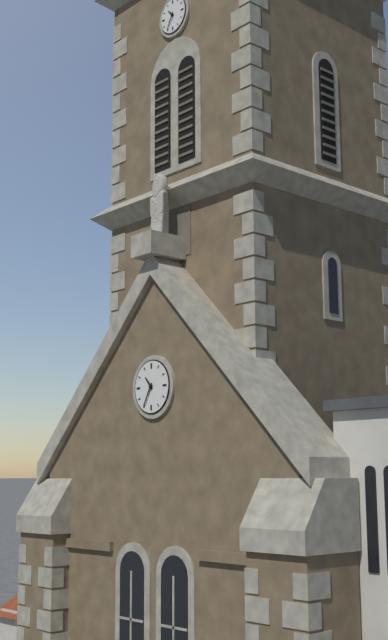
10 h 35 min
